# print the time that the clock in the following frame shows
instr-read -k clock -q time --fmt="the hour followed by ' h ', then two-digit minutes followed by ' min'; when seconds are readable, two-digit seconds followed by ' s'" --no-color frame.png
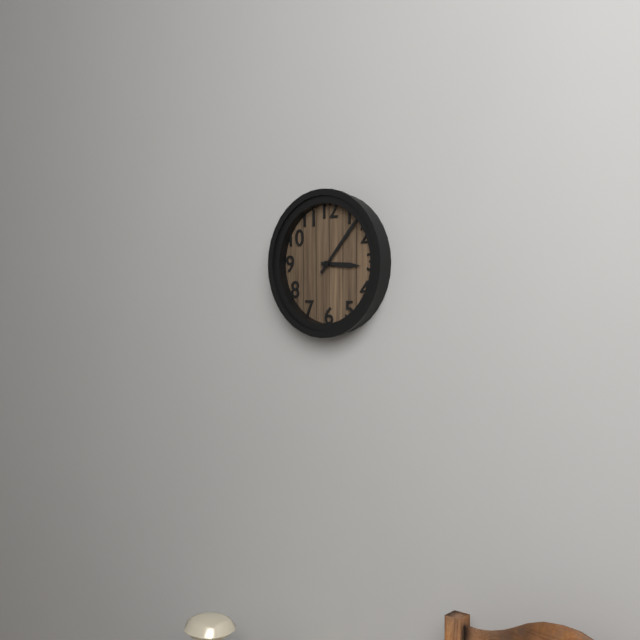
3 h 07 min
